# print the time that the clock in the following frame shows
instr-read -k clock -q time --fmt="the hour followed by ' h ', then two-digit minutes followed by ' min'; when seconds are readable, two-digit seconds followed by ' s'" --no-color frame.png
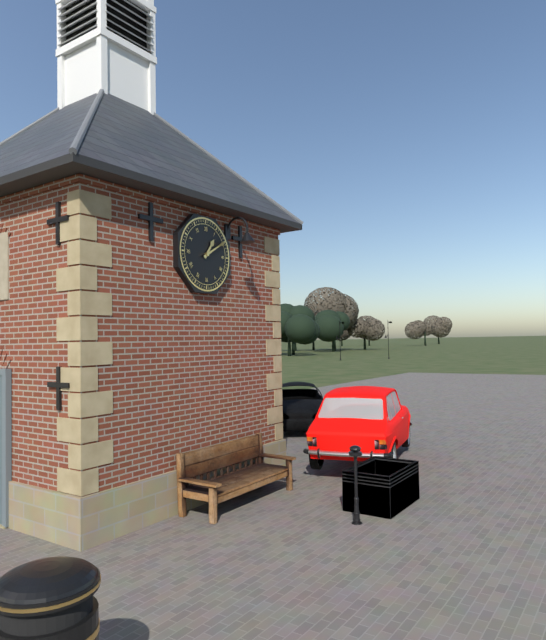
1 h 10 min
